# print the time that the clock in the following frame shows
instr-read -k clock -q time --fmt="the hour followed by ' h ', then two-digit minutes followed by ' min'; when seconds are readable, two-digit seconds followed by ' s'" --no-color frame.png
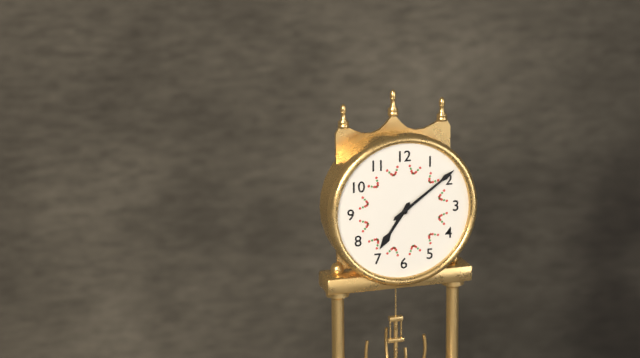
7 h 09 min
